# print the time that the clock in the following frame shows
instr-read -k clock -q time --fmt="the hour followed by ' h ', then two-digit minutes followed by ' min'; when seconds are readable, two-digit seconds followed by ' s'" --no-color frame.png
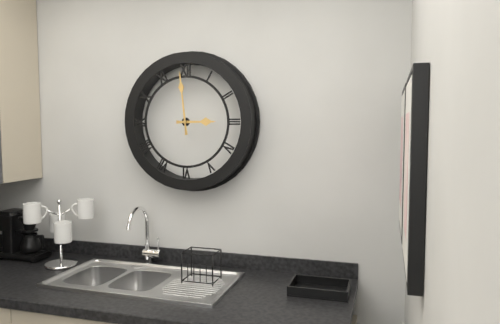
2 h 59 min
